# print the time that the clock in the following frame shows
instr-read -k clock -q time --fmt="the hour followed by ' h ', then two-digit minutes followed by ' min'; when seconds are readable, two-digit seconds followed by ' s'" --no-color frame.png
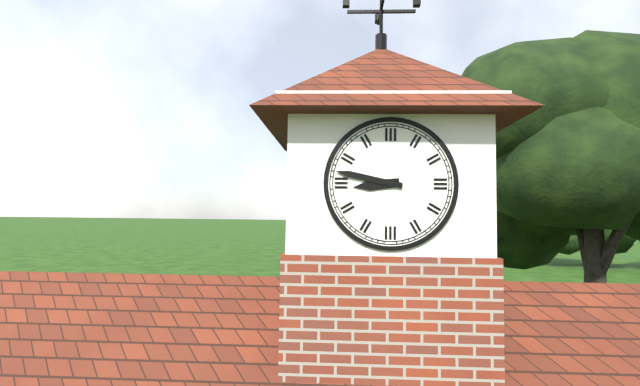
8 h 47 min
